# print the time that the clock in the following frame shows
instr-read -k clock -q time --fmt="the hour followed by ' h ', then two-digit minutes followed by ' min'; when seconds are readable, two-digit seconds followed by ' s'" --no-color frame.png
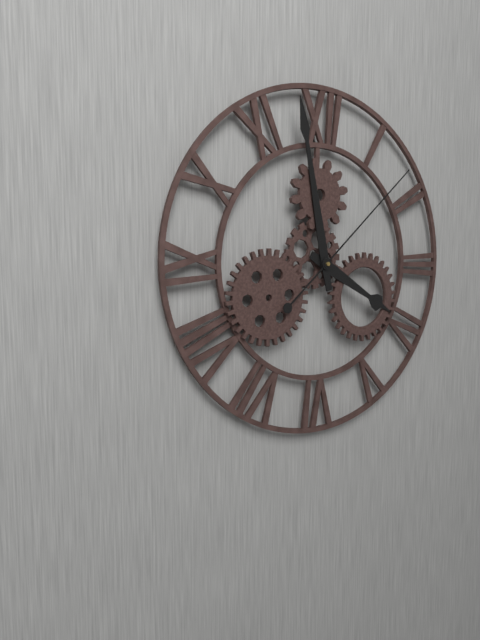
3 h 58 min 08 s
